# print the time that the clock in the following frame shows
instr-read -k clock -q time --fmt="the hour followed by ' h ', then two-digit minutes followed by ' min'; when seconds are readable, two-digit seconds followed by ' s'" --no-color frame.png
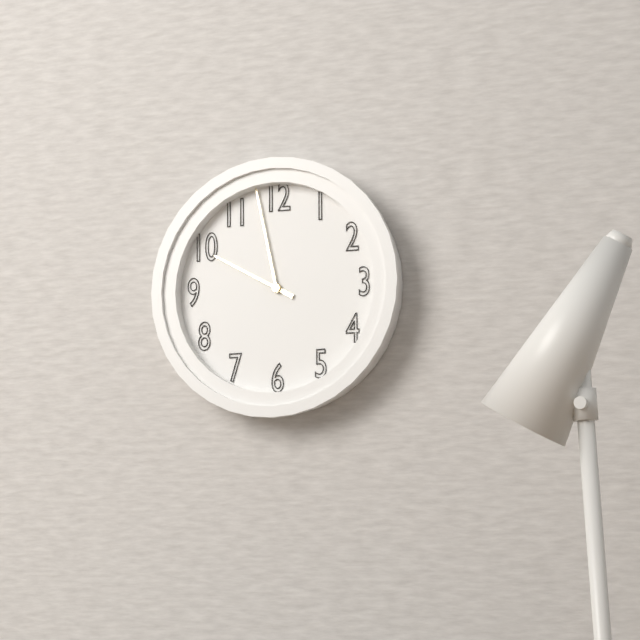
9 h 58 min
